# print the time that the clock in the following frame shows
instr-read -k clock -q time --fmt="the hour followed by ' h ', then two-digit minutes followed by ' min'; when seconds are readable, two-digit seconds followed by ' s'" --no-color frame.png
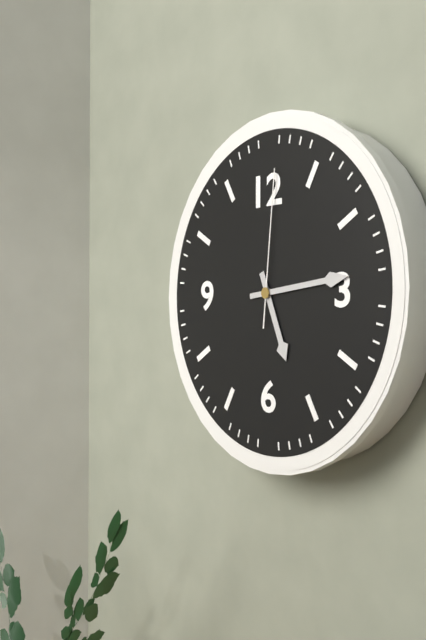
5 h 14 min 01 s
